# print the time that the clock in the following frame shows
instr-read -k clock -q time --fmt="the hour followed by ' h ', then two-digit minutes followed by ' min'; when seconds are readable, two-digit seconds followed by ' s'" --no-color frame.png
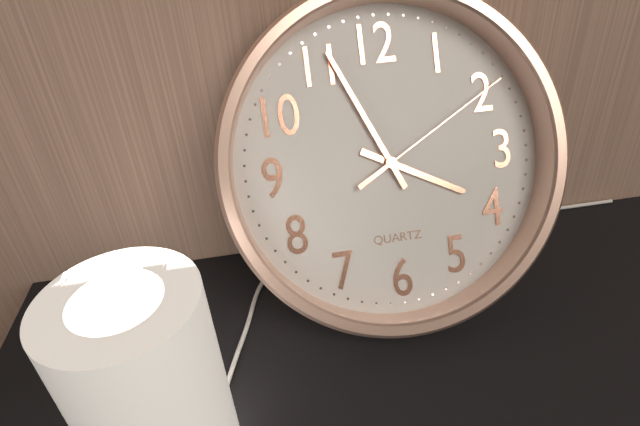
3 h 56 min 10 s
